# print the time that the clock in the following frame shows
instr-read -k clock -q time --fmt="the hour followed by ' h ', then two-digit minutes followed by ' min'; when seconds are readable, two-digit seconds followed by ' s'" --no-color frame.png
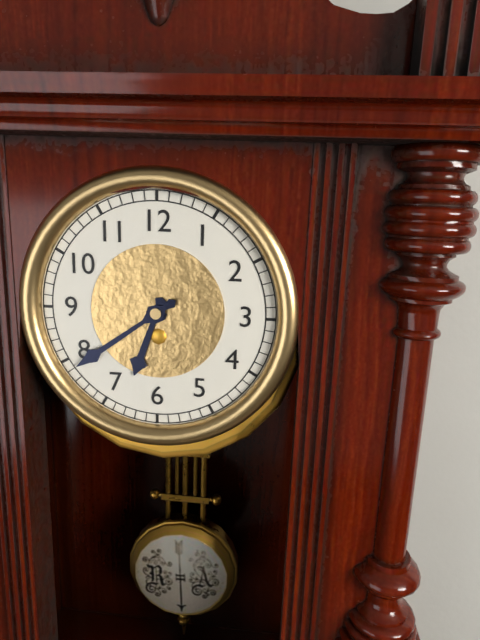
6 h 39 min
